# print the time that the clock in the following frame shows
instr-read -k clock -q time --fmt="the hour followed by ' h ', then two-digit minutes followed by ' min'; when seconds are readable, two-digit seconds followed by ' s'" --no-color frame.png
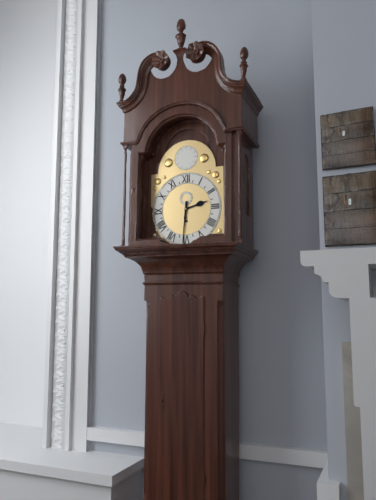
2 h 31 min
